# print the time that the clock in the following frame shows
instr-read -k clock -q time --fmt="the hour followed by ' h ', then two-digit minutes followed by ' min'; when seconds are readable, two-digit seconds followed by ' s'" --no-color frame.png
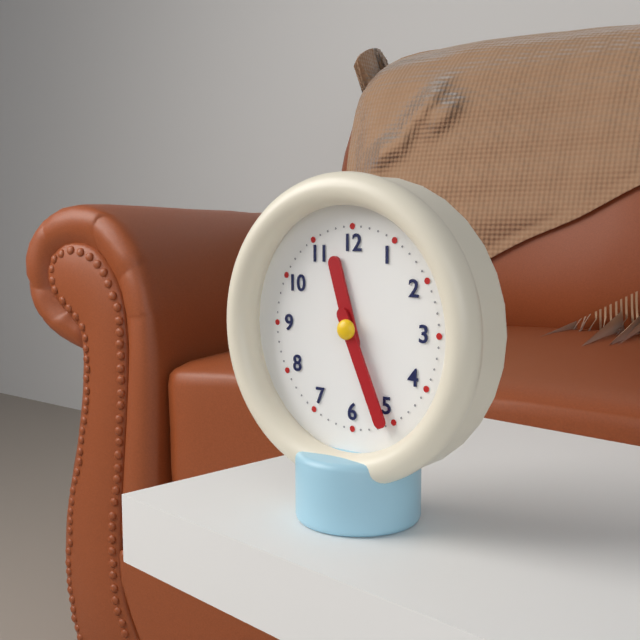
11 h 26 min
